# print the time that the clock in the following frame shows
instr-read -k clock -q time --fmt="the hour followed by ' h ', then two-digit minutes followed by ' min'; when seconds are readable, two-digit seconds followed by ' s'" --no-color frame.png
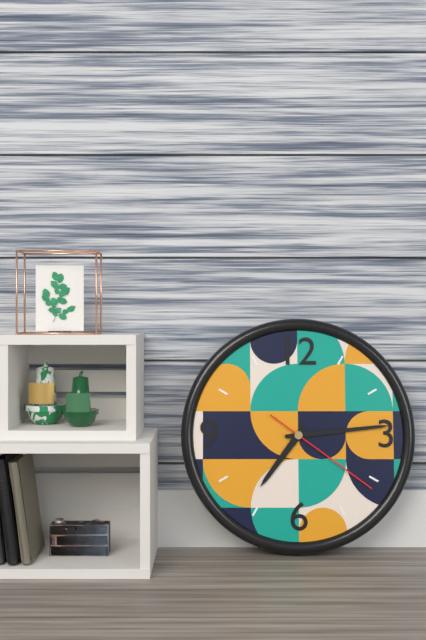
7 h 14 min 21 s
